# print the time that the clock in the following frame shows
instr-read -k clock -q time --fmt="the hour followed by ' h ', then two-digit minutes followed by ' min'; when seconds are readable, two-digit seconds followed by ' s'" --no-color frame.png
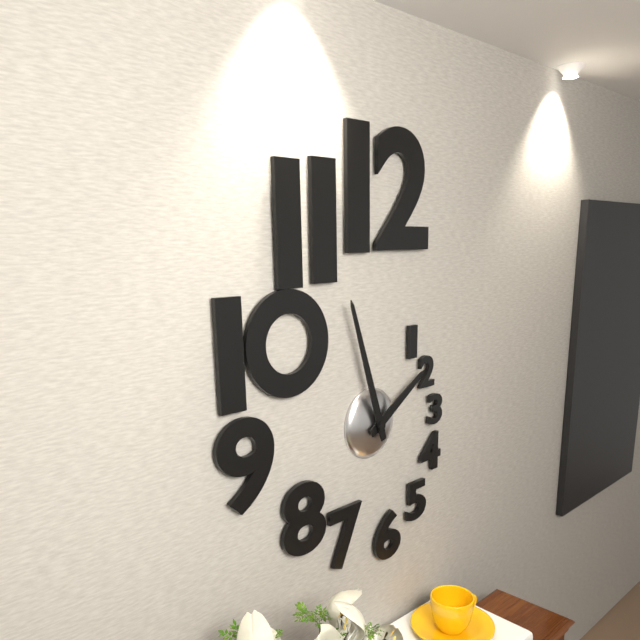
1 h 57 min
